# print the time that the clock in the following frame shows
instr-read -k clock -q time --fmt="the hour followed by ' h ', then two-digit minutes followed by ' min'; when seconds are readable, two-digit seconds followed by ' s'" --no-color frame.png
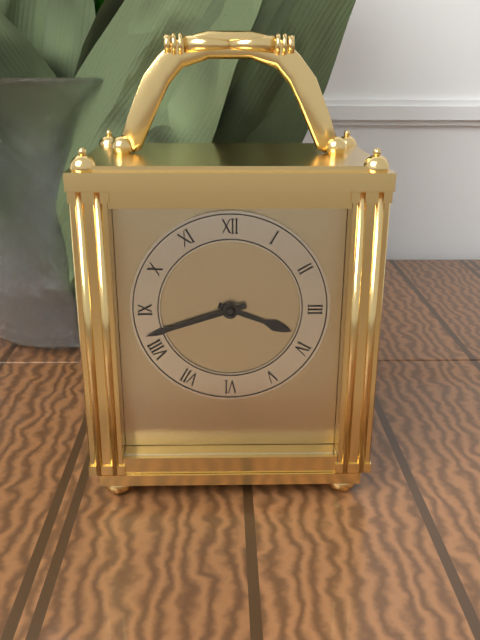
3 h 42 min
